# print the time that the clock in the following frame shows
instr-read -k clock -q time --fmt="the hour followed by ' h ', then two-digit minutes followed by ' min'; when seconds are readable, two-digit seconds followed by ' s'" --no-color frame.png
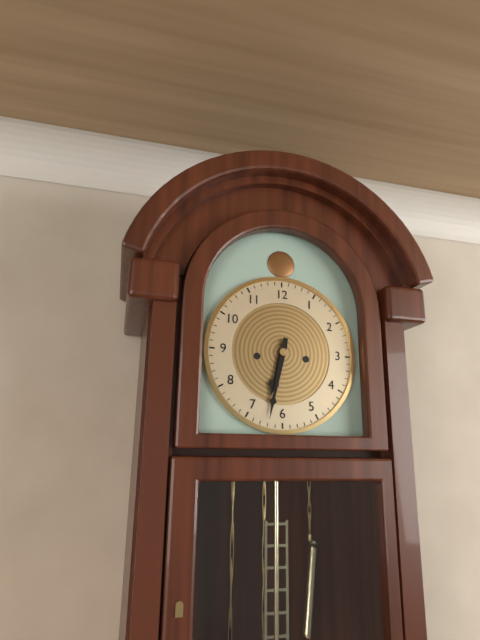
6 h 32 min
